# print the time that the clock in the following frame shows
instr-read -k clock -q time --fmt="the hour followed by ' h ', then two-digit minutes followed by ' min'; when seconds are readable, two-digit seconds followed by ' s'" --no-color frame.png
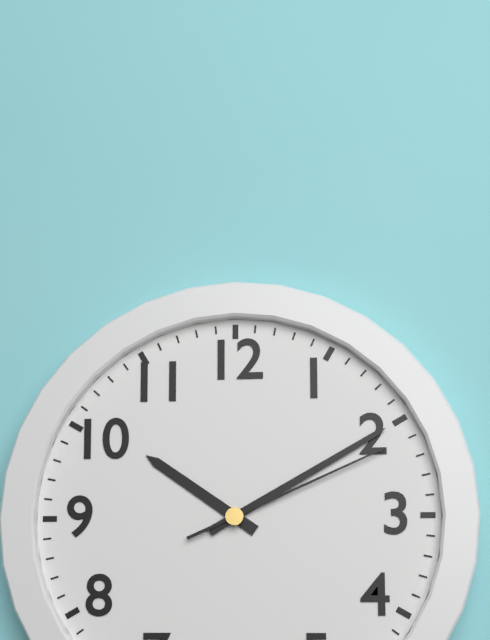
10 h 10 min 11 s
